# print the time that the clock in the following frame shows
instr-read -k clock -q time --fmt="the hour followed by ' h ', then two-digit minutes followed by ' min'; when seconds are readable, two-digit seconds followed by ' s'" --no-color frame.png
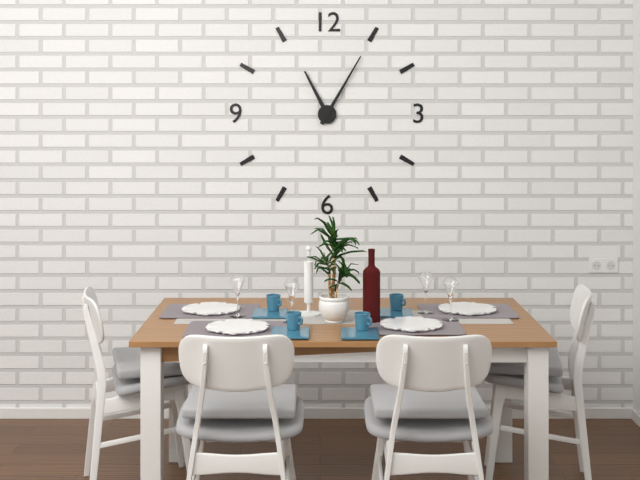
11 h 05 min
